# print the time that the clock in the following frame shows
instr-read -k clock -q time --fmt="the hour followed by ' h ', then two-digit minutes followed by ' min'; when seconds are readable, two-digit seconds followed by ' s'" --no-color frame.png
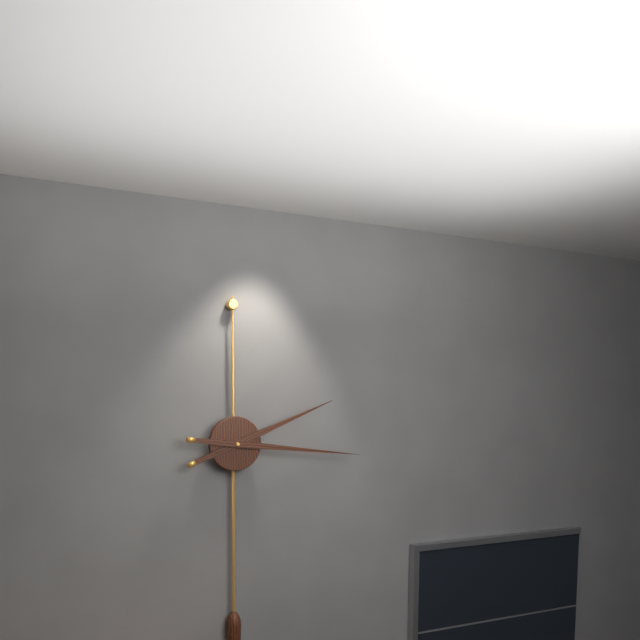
2 h 16 min
